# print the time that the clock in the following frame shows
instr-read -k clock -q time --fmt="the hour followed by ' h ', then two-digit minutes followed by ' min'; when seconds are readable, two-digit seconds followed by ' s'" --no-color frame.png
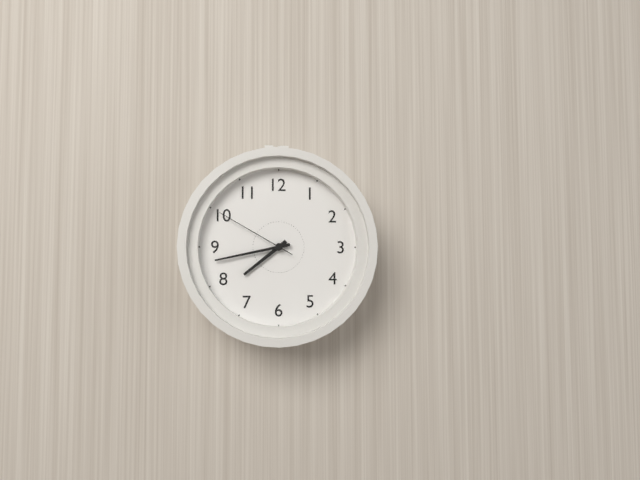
7 h 43 min 50 s
